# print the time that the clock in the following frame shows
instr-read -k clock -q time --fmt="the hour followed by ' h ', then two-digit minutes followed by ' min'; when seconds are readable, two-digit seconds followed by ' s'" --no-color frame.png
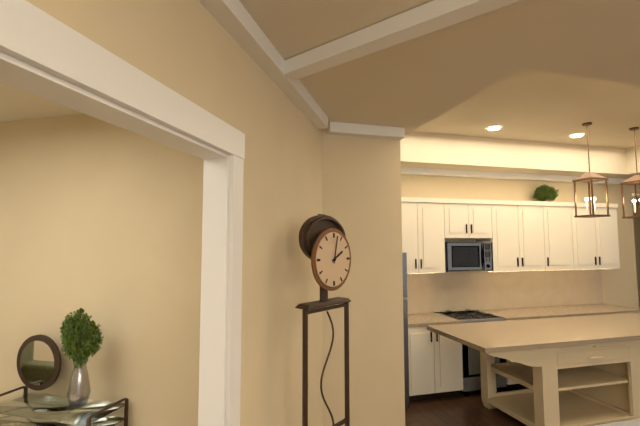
2 h 02 min
